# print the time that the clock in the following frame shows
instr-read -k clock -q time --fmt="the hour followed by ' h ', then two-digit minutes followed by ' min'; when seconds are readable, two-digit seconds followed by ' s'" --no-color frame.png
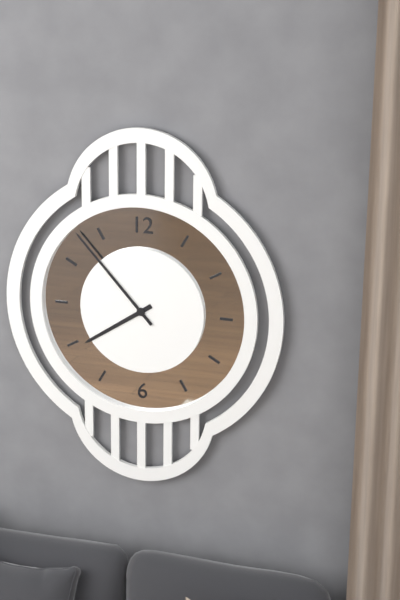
7 h 53 min
